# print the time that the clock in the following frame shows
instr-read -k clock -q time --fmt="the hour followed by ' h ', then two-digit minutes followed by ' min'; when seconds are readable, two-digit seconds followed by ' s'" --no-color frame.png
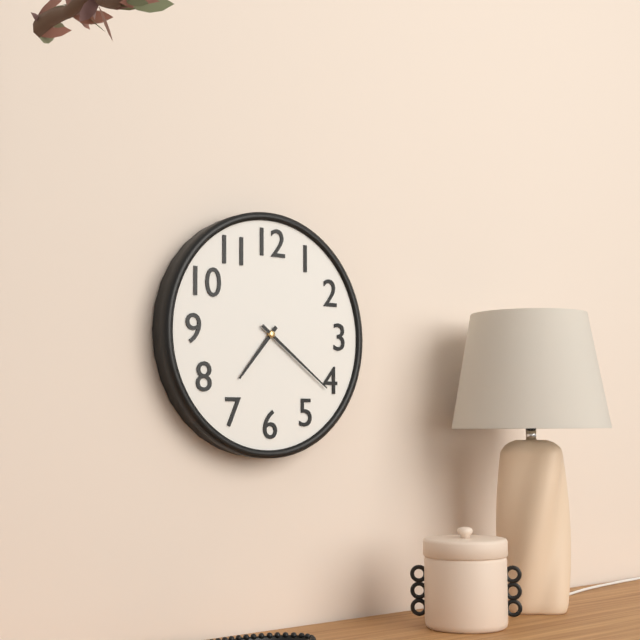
7 h 21 min
